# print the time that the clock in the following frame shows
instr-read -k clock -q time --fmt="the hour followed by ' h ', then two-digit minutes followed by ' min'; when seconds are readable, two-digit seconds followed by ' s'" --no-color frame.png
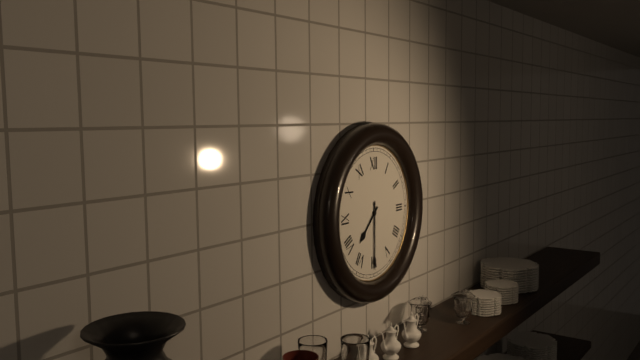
7 h 30 min
